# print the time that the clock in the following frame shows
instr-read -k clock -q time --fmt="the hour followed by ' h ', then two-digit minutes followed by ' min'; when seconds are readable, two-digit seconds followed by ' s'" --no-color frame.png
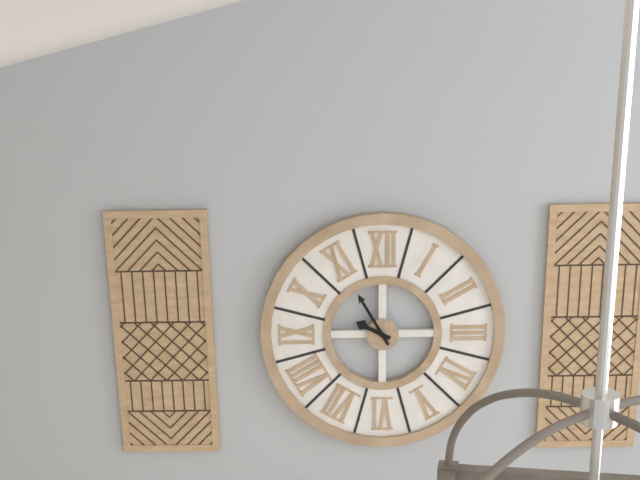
9 h 55 min
